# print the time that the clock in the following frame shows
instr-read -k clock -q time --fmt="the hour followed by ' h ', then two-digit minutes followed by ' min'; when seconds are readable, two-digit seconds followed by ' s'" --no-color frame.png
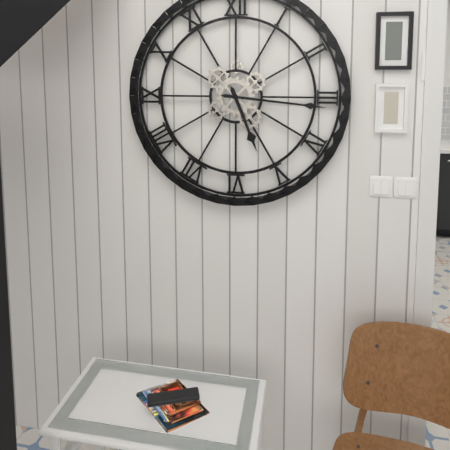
5 h 16 min
